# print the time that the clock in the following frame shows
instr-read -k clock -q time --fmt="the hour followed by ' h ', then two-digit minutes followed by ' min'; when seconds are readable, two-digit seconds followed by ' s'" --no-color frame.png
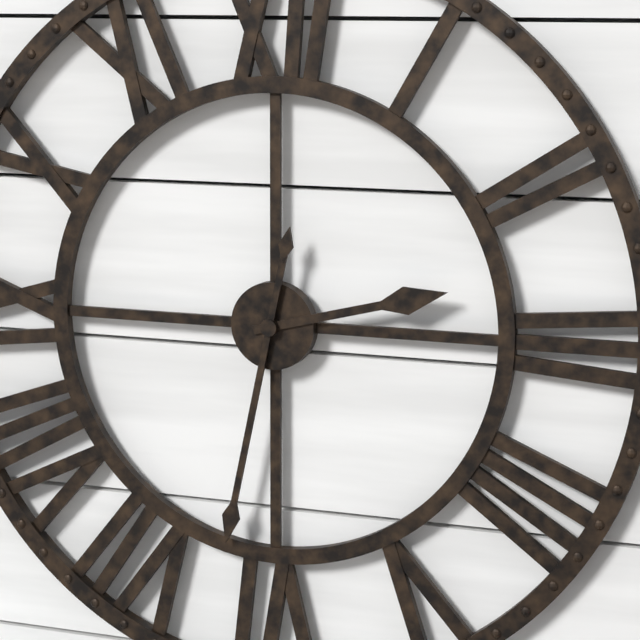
2 h 32 min
